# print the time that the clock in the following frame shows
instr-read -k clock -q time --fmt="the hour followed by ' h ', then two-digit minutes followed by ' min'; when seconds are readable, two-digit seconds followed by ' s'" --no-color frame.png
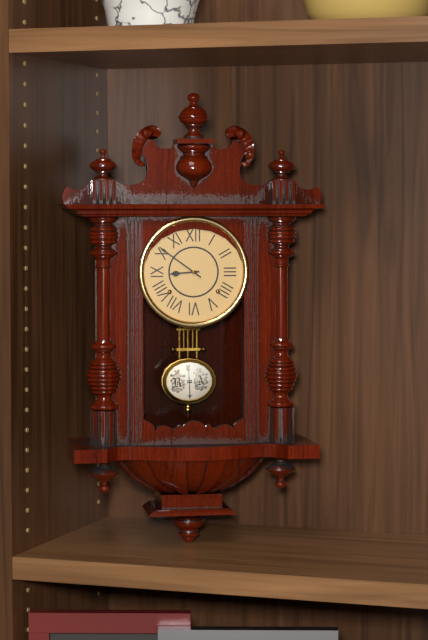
8 h 51 min
